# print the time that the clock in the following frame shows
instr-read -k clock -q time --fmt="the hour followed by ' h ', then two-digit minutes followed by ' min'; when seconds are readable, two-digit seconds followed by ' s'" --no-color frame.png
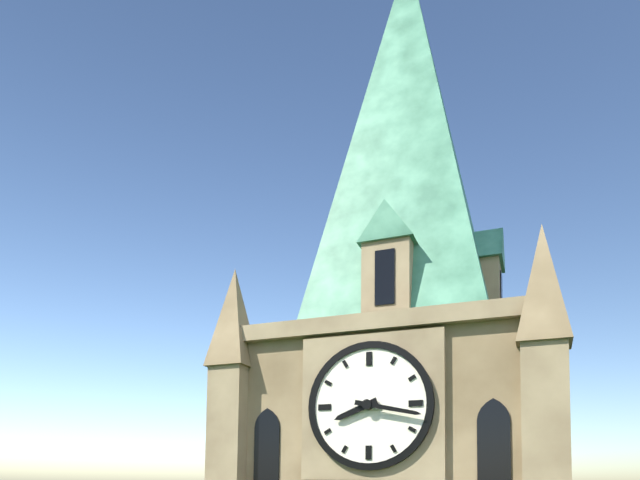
8 h 17 min
